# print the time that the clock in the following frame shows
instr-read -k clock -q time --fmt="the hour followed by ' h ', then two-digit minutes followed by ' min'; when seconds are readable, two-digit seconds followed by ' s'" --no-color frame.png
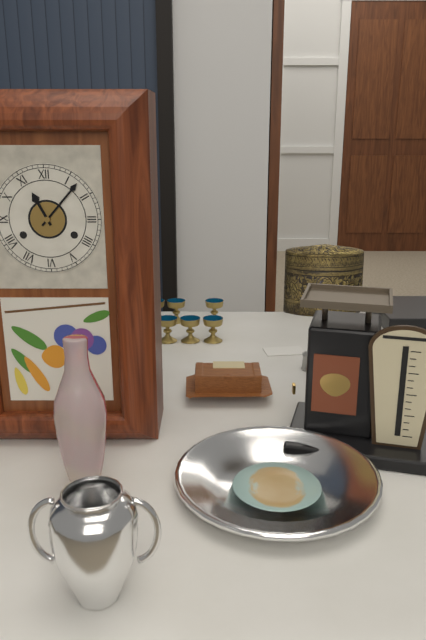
11 h 07 min
